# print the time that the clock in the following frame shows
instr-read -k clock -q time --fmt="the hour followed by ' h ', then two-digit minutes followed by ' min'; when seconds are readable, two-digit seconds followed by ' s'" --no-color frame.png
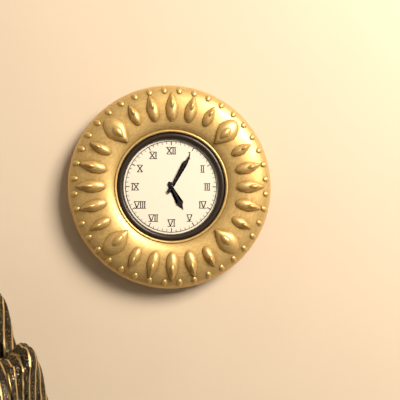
5 h 05 min
